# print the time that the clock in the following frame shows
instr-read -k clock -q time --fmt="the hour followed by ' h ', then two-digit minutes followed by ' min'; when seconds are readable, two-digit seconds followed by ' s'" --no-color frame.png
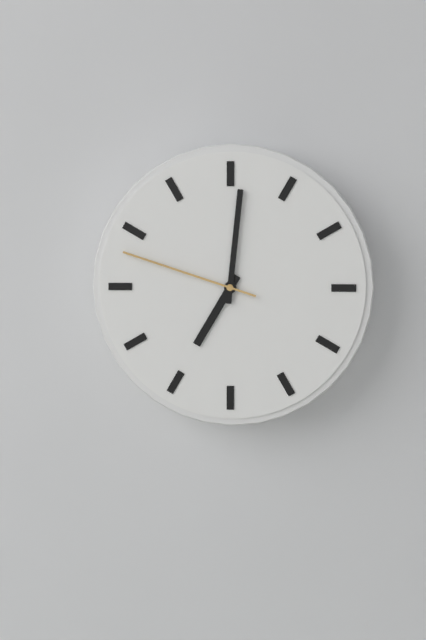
7 h 01 min 48 s
